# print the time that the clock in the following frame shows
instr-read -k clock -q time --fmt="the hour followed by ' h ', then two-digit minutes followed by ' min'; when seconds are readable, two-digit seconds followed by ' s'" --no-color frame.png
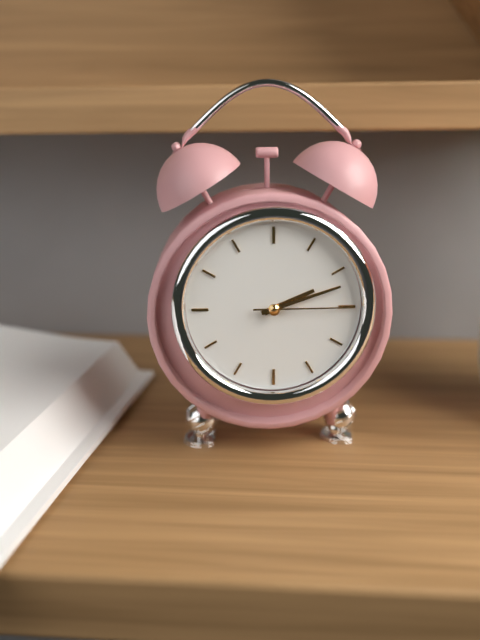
2 h 12 min 15 s
